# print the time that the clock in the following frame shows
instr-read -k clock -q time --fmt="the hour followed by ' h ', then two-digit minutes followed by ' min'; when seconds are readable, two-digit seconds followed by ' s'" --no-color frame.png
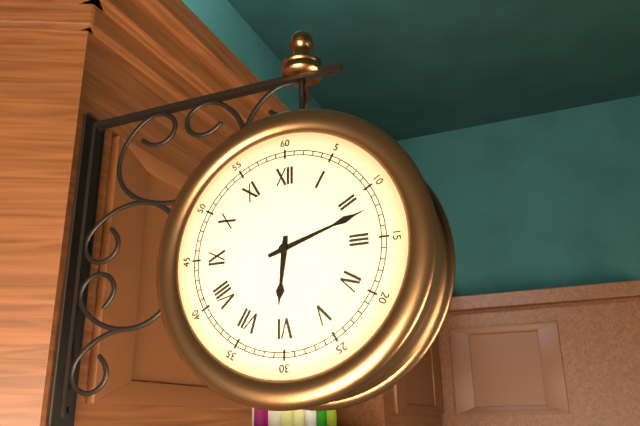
6 h 12 min
